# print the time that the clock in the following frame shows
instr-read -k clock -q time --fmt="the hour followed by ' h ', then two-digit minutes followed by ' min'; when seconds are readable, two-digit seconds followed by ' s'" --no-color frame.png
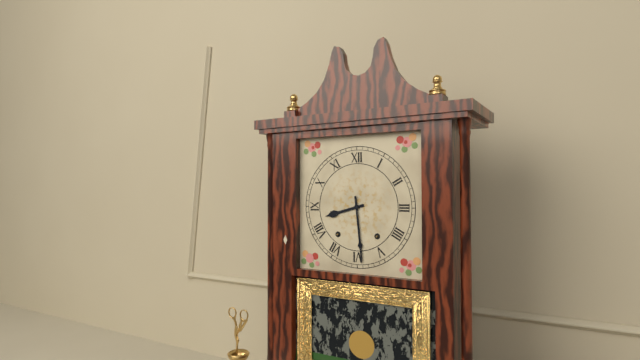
8 h 29 min
